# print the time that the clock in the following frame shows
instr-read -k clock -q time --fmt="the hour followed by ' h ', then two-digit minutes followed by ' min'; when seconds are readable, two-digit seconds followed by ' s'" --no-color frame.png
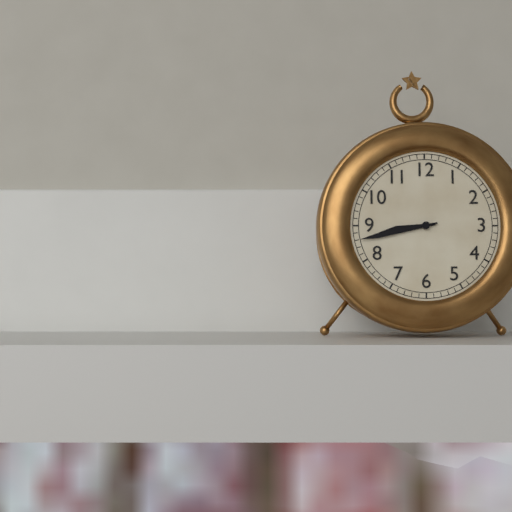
8 h 43 min
